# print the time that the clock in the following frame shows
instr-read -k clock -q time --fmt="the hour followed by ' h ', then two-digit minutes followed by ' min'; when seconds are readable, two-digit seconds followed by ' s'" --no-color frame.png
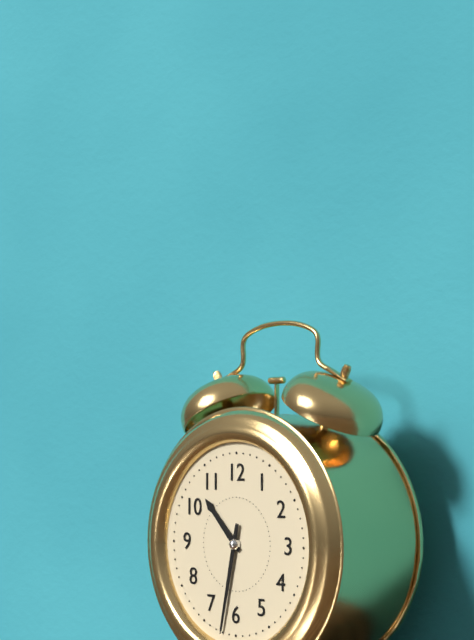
10 h 32 min
